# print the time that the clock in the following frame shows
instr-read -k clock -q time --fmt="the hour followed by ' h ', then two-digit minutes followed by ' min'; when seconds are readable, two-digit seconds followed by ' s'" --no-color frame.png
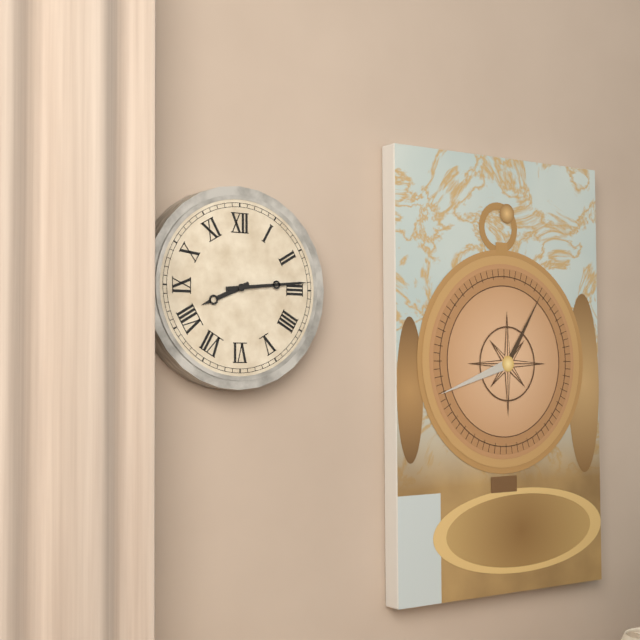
8 h 14 min
